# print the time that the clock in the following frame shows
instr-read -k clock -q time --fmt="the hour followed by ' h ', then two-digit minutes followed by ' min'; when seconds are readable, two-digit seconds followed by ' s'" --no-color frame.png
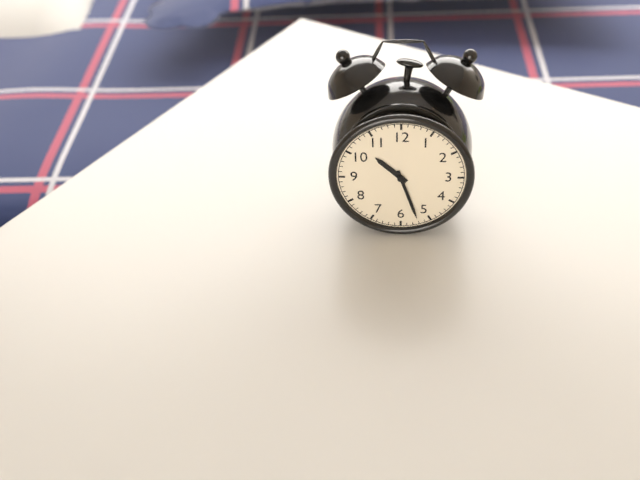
10 h 27 min
